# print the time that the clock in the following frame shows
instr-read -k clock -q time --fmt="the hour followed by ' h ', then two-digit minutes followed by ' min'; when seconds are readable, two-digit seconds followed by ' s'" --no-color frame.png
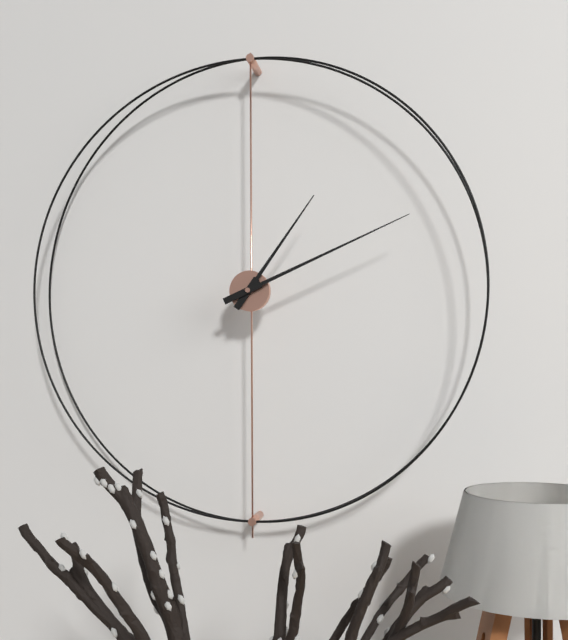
1 h 11 min
